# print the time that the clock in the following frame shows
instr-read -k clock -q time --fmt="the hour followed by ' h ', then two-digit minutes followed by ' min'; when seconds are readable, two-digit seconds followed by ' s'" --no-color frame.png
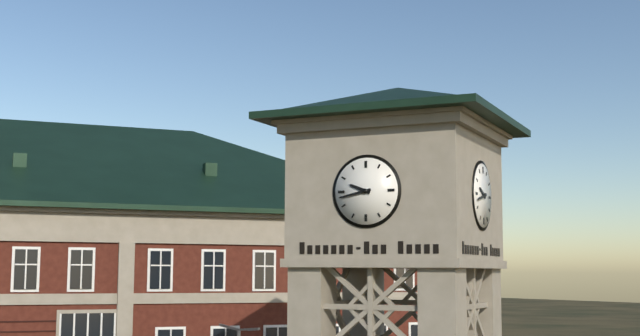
9 h 43 min
